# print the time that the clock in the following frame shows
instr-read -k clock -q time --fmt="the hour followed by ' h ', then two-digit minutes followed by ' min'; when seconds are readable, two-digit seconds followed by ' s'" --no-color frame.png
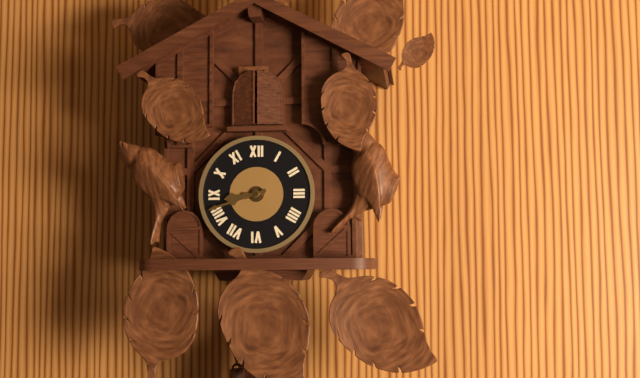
8 h 42 min
